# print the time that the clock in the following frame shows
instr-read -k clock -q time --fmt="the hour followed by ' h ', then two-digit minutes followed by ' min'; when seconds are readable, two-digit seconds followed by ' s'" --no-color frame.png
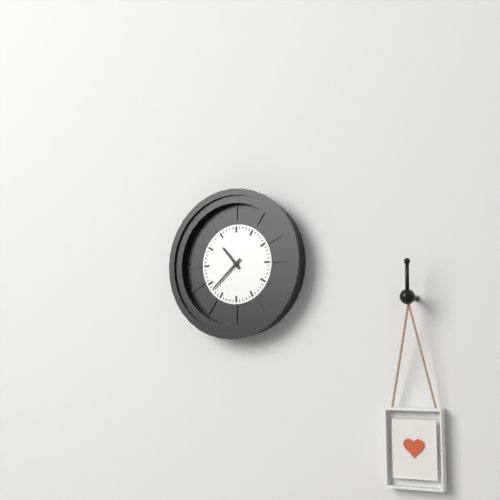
10 h 38 min
